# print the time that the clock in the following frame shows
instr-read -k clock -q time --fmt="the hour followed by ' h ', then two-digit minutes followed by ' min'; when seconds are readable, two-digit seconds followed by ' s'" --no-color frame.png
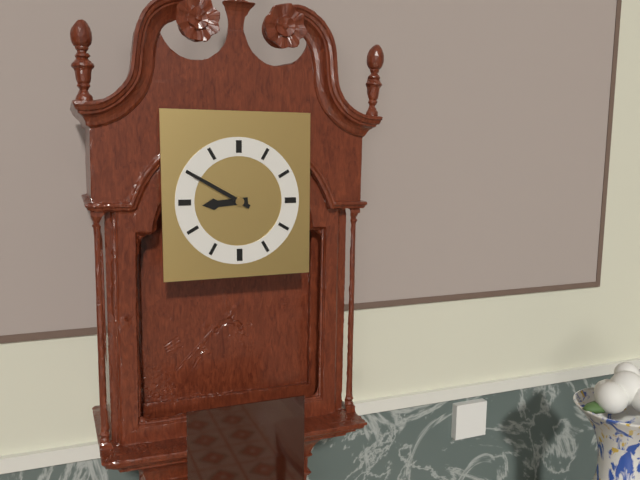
8 h 50 min
